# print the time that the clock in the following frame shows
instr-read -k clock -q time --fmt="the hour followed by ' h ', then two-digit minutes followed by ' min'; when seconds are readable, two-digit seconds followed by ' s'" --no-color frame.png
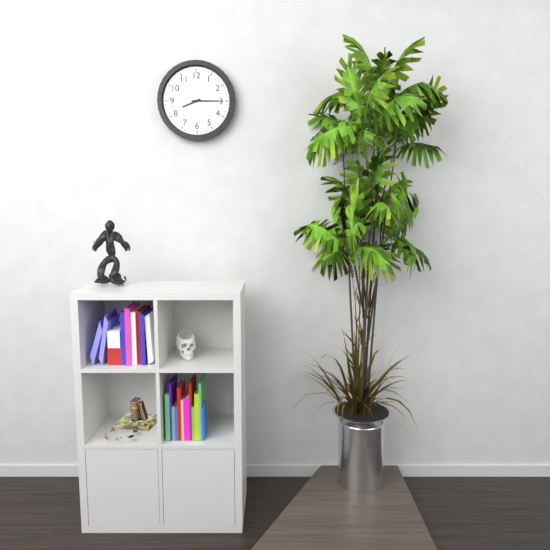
8 h 15 min
